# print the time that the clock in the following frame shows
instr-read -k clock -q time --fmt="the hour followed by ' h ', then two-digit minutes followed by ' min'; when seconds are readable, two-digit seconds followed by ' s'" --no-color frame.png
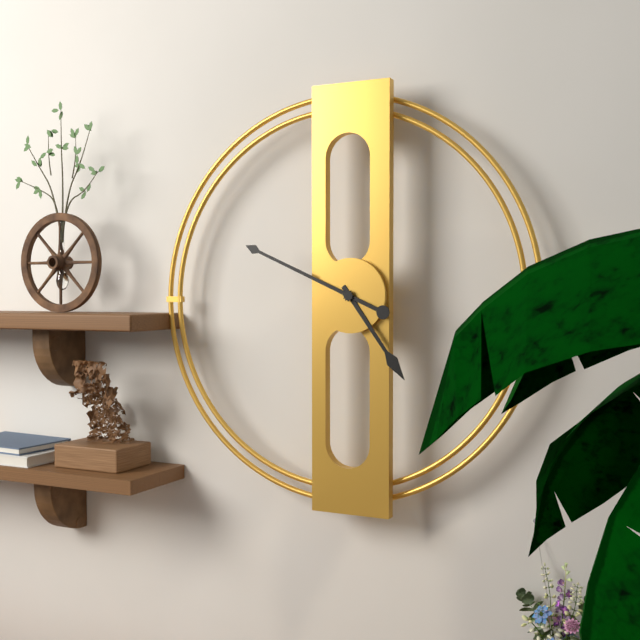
4 h 49 min
